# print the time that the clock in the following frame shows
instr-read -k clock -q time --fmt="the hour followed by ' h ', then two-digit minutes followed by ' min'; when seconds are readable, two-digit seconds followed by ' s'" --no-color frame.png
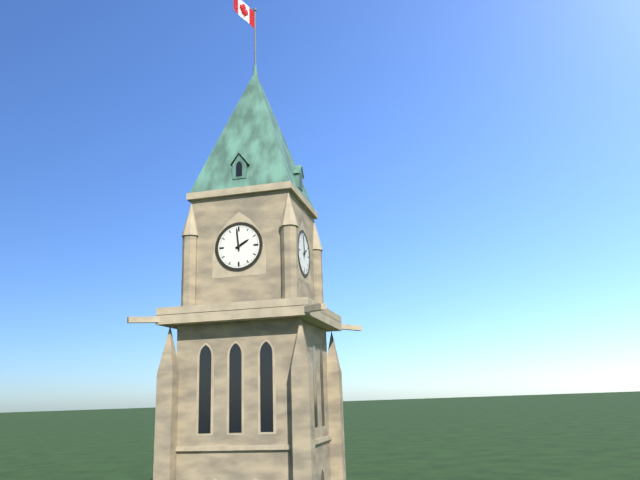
1 h 59 min
